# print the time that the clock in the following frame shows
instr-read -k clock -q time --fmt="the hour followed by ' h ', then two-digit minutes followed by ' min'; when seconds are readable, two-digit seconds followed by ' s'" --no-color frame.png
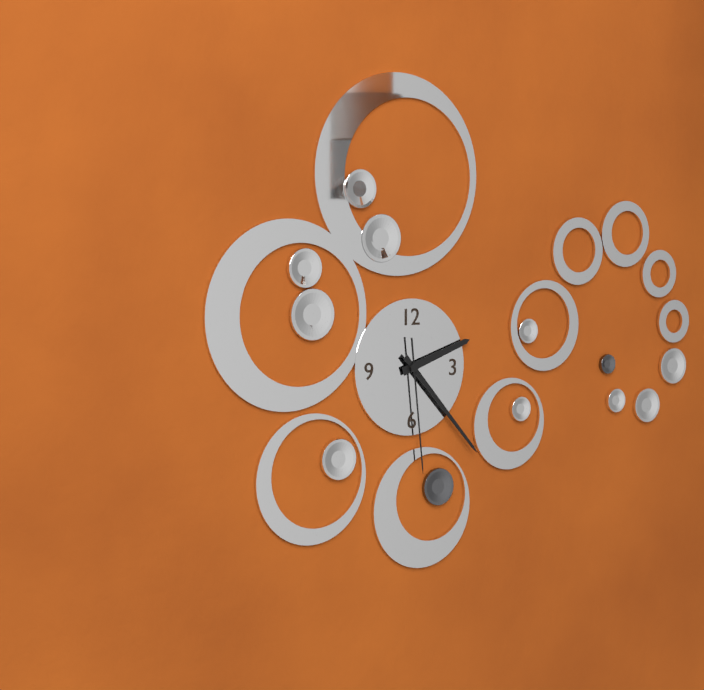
2 h 23 min 29 s
